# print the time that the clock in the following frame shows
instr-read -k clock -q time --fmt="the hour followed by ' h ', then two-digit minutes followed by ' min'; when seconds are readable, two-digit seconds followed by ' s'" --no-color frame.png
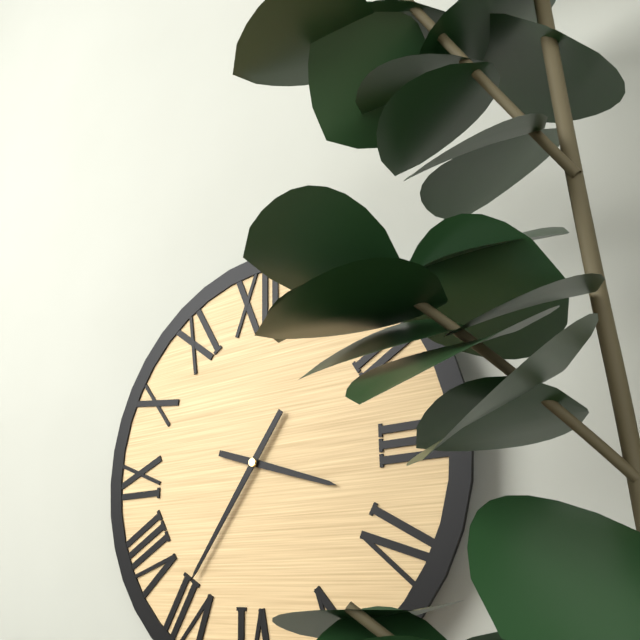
3 h 36 min
